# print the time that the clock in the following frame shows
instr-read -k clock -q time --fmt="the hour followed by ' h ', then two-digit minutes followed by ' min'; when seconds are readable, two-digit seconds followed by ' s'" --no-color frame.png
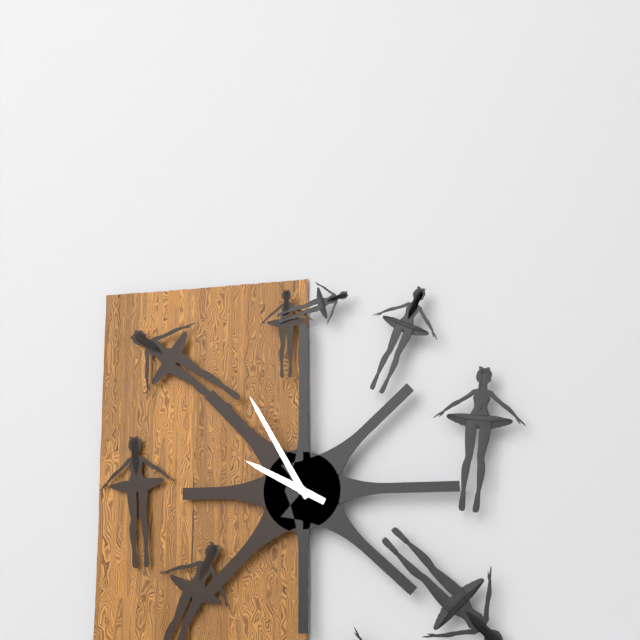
9 h 55 min
